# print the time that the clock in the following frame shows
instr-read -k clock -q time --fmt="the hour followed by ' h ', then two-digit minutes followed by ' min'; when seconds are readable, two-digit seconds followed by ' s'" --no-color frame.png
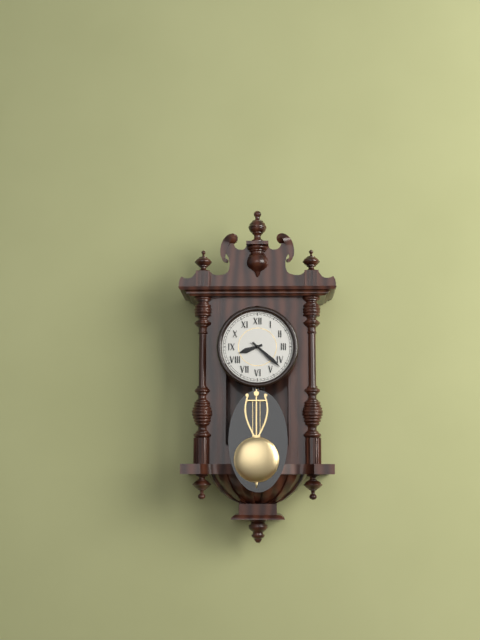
8 h 22 min
